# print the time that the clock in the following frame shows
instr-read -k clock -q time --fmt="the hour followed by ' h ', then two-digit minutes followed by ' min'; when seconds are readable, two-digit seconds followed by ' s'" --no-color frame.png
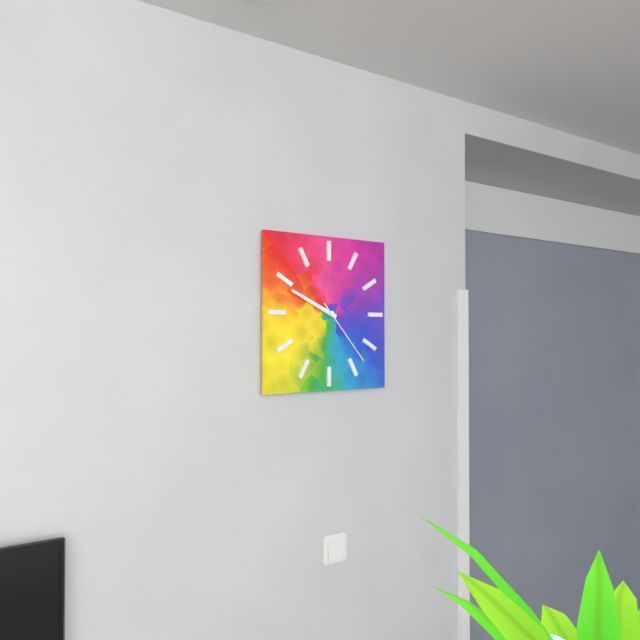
9 h 49 min 23 s
